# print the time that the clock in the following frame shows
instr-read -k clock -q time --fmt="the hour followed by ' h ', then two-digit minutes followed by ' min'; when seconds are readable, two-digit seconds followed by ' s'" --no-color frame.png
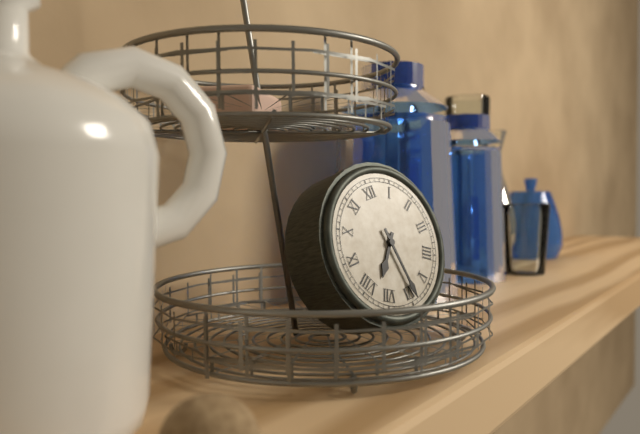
7 h 29 min
